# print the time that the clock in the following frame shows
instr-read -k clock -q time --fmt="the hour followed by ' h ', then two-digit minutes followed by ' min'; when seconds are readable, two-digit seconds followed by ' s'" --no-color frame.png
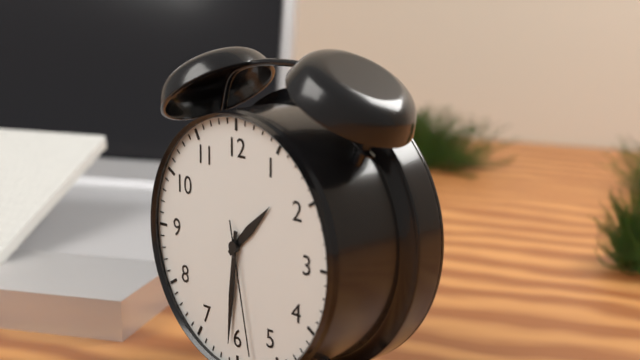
1 h 31 min 28 s
